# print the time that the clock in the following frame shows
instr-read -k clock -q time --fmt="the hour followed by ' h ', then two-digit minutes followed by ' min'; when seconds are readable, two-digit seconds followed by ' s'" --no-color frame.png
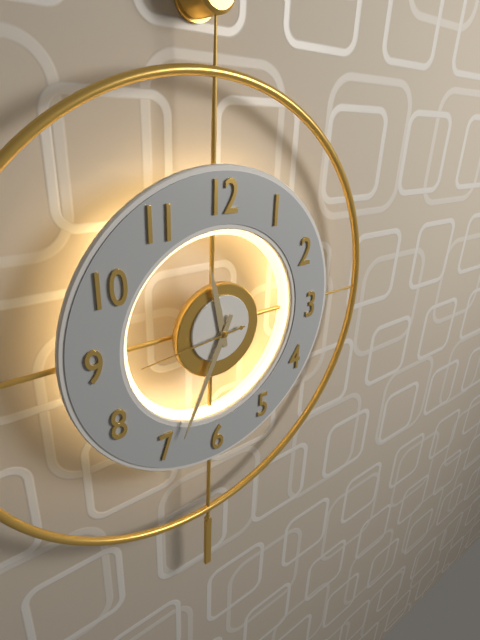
11 h 34 min 44 s
